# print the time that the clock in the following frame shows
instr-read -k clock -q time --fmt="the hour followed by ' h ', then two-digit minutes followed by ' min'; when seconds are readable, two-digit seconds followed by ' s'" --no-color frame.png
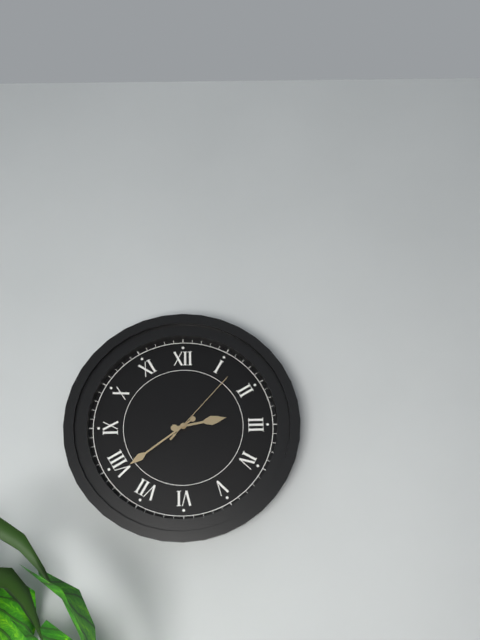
2 h 39 min 07 s
